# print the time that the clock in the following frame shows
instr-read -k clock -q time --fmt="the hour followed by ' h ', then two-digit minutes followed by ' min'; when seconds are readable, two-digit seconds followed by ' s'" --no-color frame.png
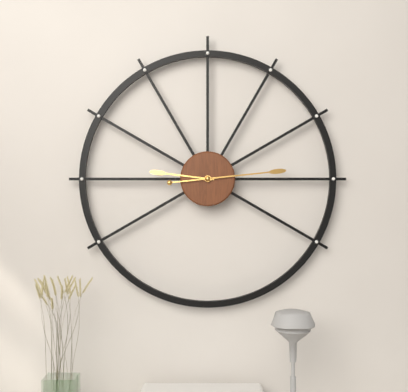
9 h 14 min
